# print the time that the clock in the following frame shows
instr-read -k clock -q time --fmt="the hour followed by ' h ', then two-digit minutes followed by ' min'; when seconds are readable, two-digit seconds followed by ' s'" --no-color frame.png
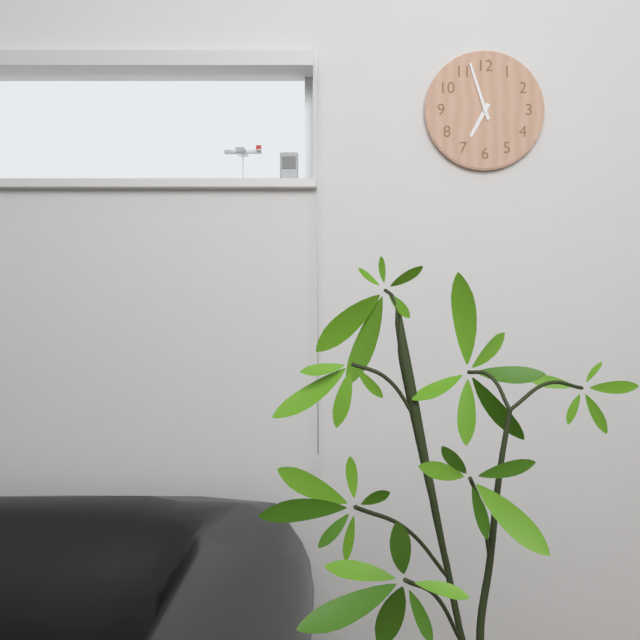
6 h 57 min
